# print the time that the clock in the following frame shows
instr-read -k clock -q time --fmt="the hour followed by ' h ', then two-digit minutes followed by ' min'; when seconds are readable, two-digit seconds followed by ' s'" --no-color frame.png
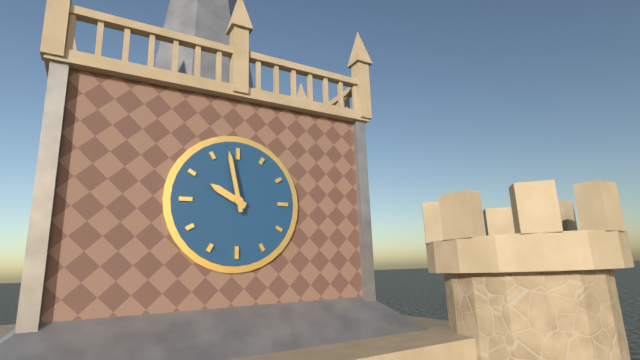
9 h 58 min
